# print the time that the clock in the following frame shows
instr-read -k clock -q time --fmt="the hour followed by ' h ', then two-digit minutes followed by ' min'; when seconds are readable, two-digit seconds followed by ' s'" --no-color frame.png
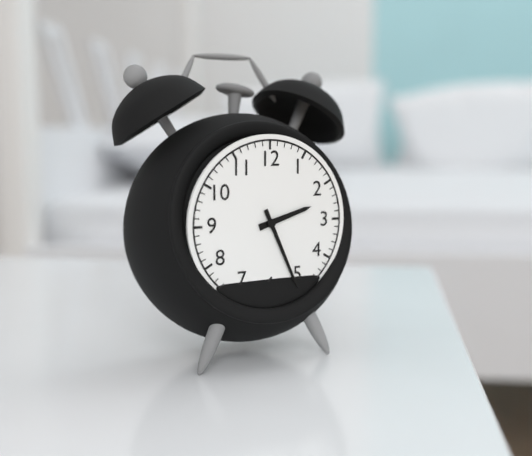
2 h 26 min
